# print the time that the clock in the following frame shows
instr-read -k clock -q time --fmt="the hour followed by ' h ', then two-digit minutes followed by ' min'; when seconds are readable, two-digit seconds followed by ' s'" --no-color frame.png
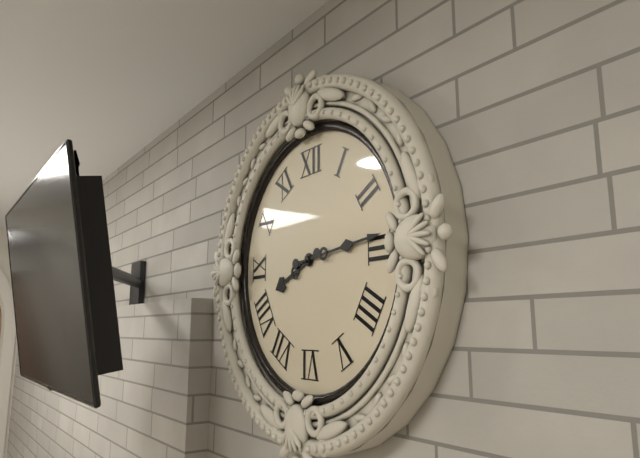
8 h 14 min
